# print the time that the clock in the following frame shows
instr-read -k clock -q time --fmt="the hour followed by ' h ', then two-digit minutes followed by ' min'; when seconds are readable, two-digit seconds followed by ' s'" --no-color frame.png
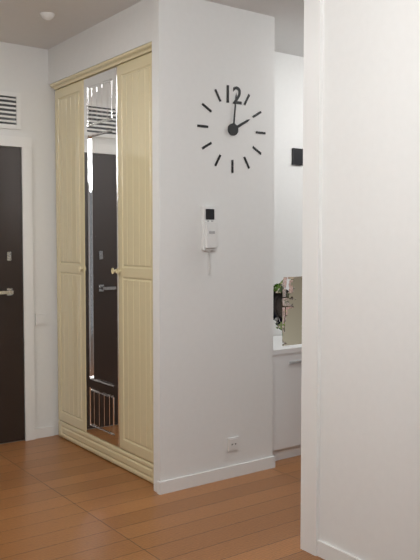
2 h 01 min
